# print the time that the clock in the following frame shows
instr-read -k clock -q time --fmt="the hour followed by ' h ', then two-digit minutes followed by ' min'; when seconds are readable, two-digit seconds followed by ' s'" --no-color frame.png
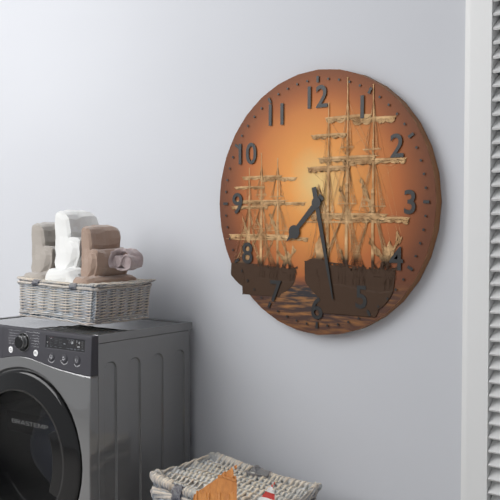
7 h 28 min
